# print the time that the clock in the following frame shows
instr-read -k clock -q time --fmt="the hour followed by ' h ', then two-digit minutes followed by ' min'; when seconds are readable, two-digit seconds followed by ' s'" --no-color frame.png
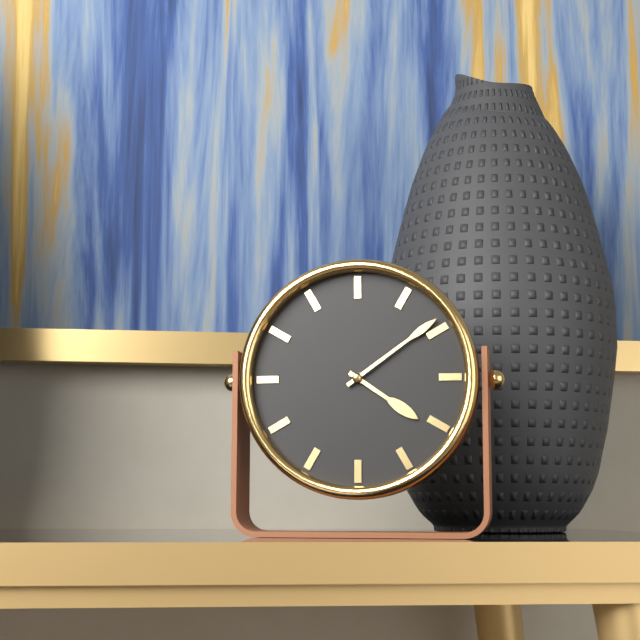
4 h 09 min
